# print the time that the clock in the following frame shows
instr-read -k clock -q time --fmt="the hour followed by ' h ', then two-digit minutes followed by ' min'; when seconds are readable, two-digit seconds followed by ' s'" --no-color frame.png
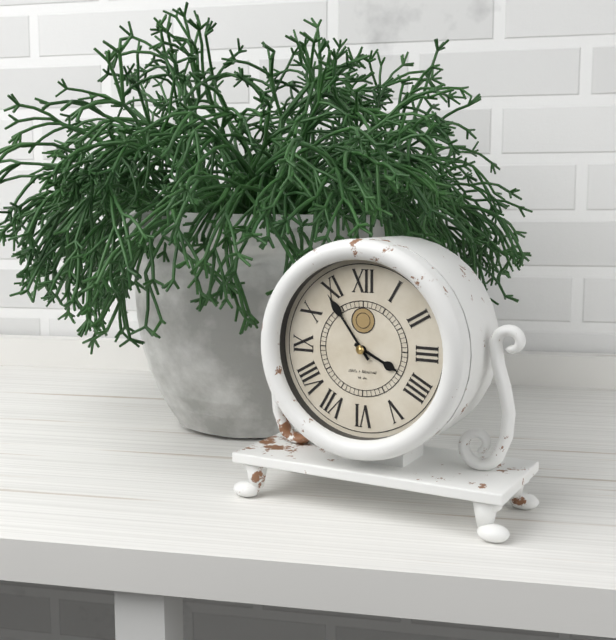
3 h 54 min
